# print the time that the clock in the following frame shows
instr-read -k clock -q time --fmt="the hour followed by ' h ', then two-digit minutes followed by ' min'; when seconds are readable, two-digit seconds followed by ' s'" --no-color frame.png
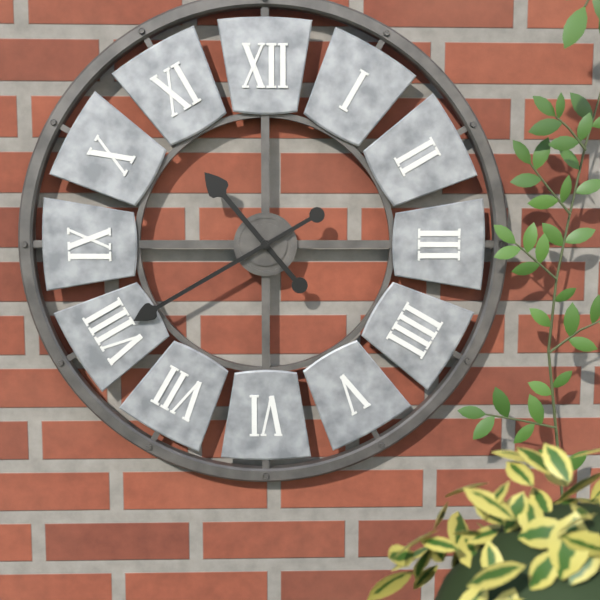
10 h 40 min
